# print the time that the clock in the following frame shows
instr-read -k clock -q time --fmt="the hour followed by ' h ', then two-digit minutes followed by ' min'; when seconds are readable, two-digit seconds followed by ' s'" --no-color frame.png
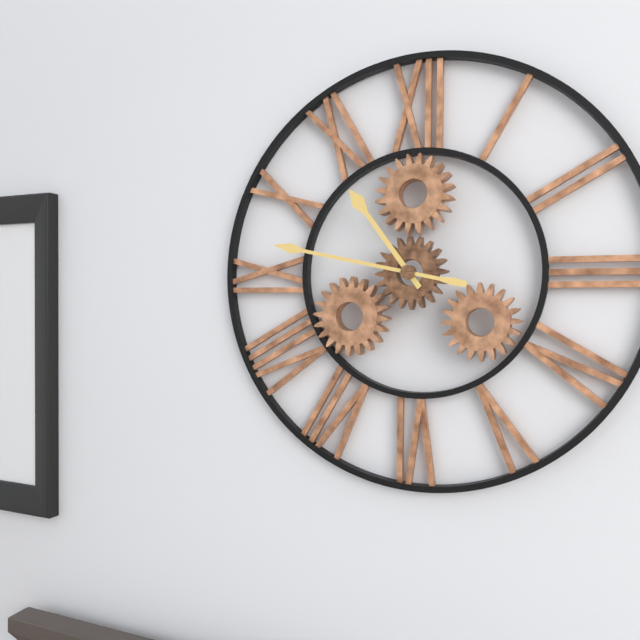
10 h 47 min
